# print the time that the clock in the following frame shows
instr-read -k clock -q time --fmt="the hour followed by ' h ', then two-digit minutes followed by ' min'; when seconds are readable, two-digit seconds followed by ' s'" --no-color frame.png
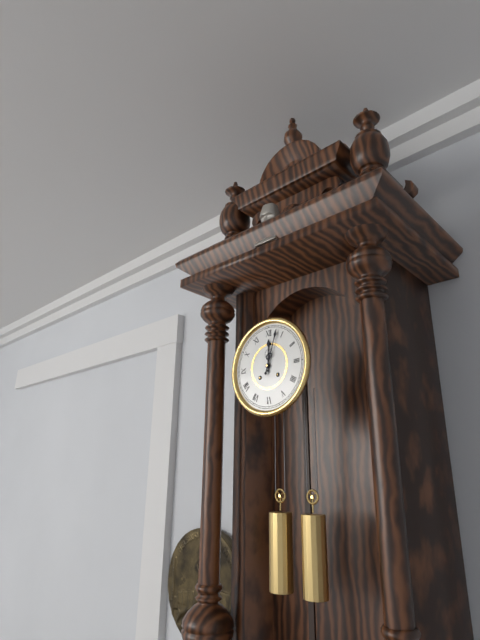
12 h 03 min
